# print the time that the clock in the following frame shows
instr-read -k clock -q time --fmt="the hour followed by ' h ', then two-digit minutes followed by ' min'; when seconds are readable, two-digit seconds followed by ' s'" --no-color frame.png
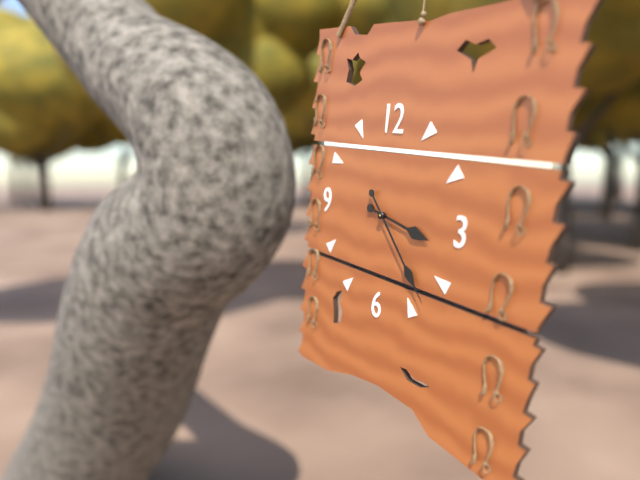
3 h 23 min
